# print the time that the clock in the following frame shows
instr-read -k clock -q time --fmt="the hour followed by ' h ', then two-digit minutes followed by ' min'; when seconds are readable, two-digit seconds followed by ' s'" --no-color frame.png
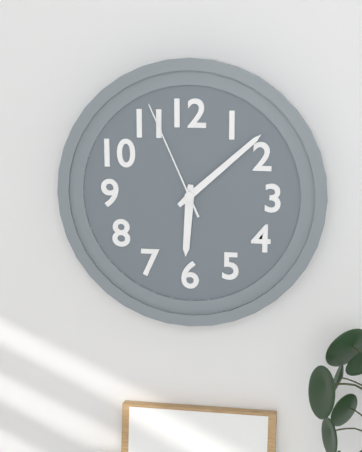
6 h 08 min 56 s
